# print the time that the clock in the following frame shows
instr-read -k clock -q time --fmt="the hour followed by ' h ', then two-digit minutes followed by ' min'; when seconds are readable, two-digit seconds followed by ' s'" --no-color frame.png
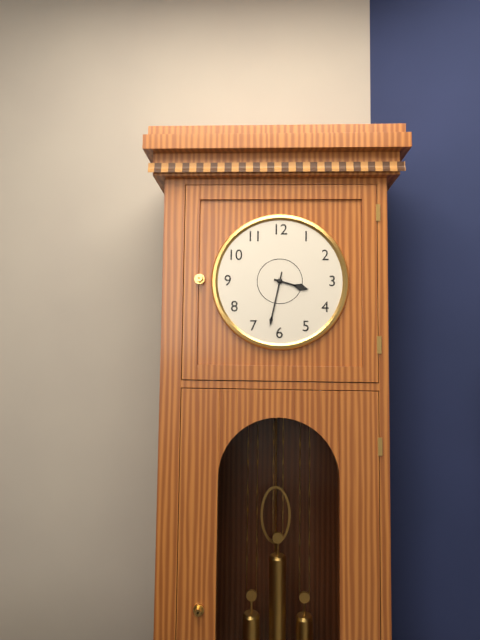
3 h 32 min
